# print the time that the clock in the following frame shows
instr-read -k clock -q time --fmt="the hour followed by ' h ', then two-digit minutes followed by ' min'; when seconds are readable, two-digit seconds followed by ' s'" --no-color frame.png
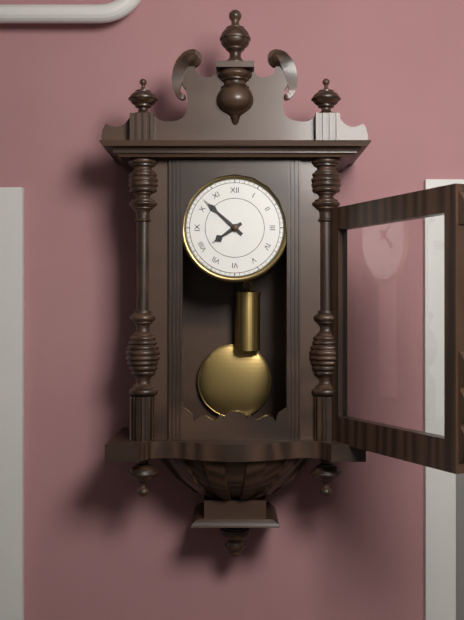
7 h 52 min
